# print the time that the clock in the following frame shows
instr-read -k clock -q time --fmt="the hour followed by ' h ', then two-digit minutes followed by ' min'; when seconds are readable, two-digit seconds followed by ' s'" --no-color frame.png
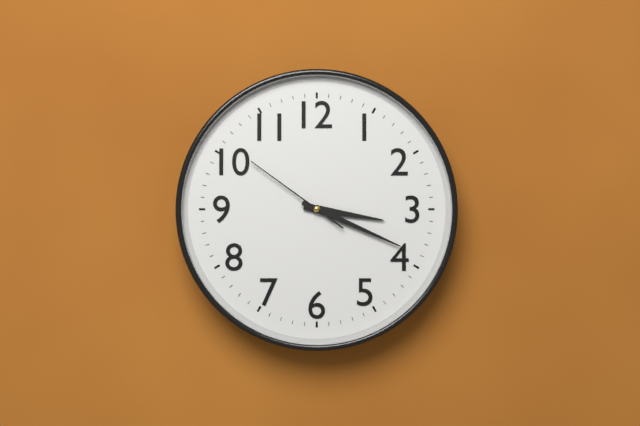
3 h 19 min 51 s
